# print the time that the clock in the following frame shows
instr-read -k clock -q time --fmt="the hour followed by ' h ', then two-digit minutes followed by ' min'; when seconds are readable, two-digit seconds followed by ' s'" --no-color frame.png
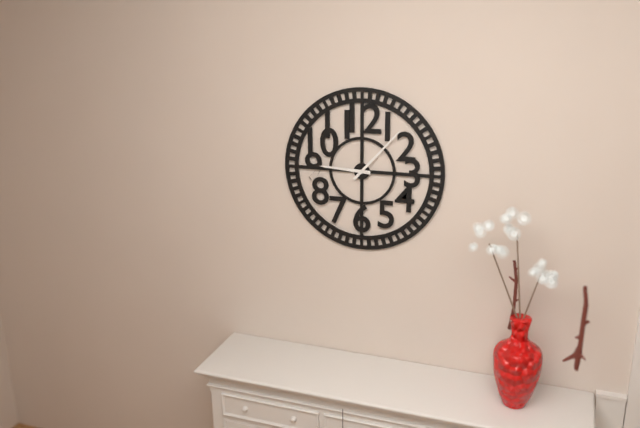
9 h 07 min
